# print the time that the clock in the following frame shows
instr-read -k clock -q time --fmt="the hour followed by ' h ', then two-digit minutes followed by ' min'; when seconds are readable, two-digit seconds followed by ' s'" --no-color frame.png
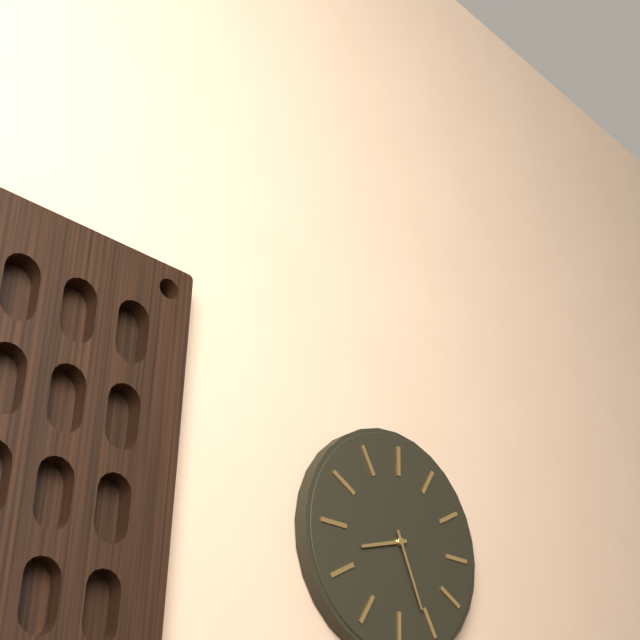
8 h 26 min
